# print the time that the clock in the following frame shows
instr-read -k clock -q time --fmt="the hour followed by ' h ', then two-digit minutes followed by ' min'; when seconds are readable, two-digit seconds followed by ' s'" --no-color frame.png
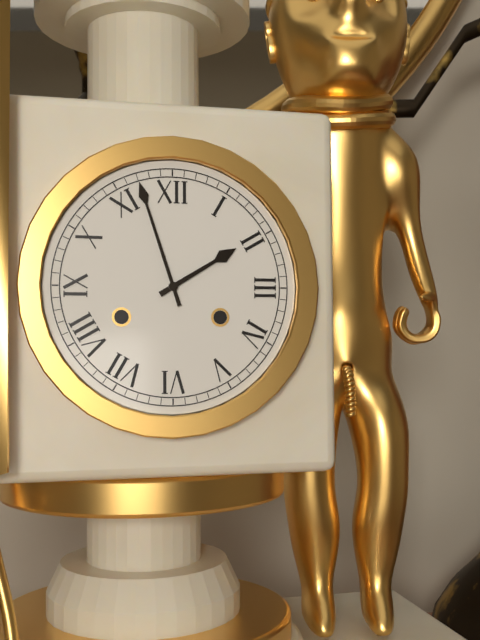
1 h 57 min
